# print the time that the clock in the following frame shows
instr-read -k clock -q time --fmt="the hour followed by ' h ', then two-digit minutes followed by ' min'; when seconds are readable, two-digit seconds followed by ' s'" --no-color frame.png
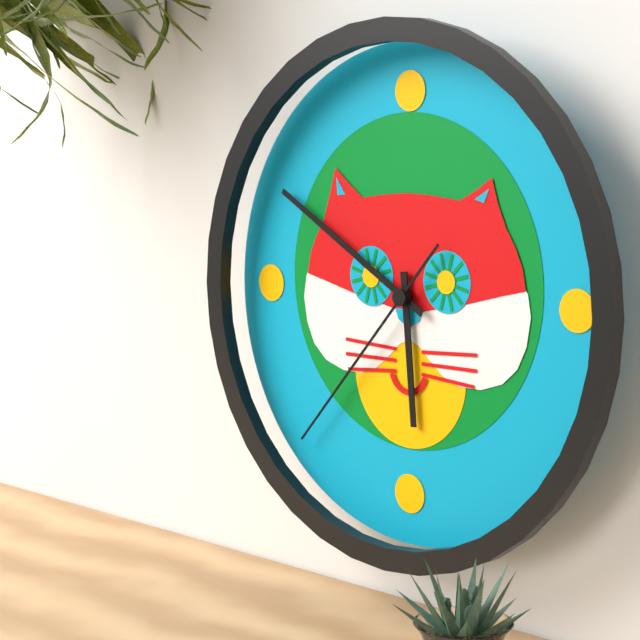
5 h 50 min 37 s
